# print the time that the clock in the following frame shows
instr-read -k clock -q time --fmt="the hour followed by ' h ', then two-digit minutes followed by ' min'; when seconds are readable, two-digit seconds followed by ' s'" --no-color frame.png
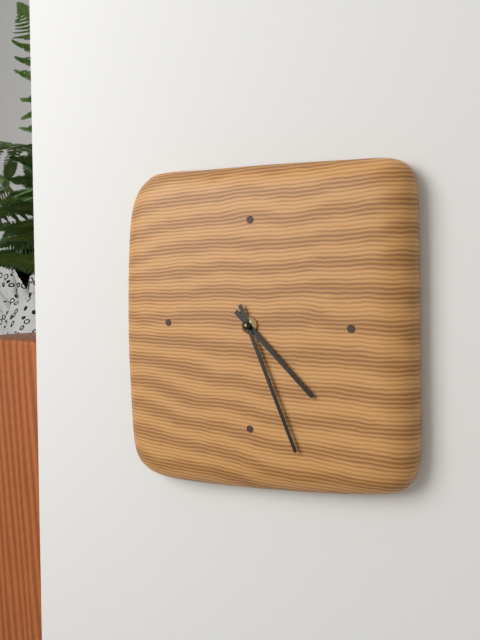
4 h 26 min
